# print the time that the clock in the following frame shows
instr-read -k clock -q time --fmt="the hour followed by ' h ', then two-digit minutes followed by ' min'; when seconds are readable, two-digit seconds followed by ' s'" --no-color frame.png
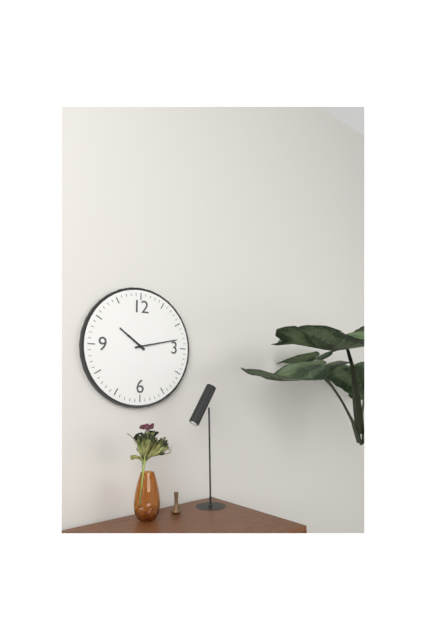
10 h 13 min
